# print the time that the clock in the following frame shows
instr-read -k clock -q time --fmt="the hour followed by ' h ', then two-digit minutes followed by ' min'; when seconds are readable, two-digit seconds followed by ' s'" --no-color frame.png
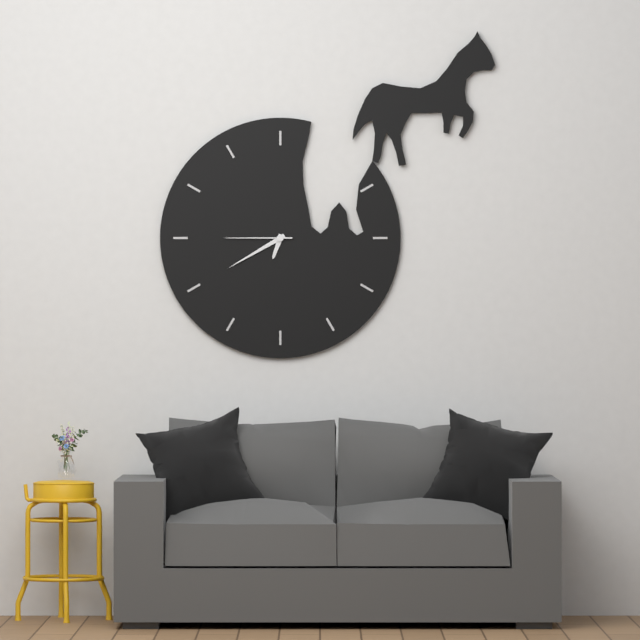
6 h 40 min 45 s
